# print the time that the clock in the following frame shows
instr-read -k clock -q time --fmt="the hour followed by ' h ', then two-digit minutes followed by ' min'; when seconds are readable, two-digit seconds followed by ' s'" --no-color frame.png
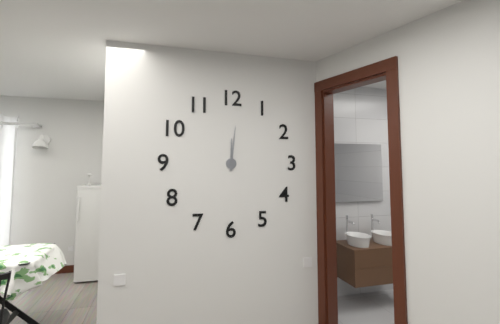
12 h 01 min
